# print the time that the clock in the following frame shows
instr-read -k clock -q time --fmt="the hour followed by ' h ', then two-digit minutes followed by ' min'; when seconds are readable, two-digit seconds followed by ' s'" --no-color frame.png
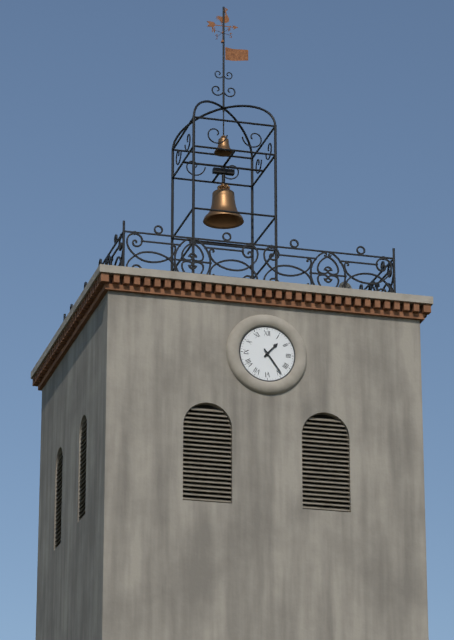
1 h 24 min
